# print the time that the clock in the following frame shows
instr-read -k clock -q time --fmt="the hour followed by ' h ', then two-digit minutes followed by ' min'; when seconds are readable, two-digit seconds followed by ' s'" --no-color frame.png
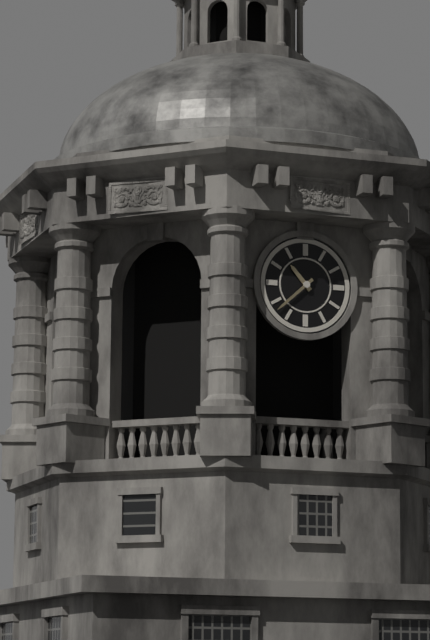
10 h 38 min
